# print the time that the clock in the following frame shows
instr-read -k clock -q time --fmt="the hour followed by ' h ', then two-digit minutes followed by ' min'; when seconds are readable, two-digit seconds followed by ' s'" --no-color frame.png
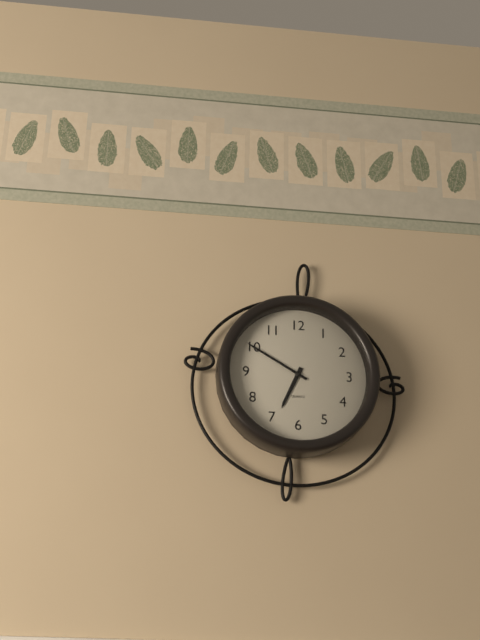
6 h 50 min
